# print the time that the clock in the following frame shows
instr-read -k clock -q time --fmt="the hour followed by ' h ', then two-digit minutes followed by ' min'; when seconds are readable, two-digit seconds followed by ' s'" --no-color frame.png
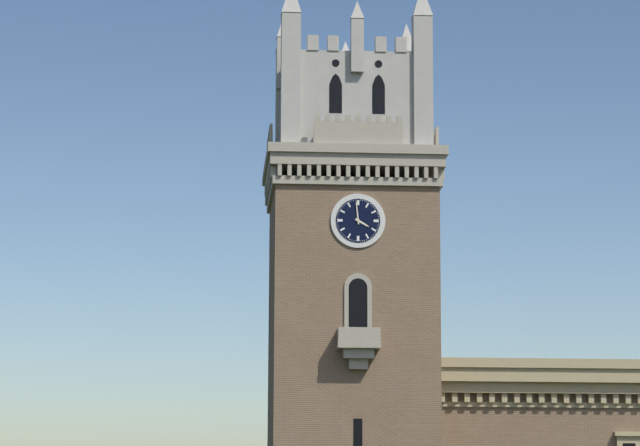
3 h 59 min
